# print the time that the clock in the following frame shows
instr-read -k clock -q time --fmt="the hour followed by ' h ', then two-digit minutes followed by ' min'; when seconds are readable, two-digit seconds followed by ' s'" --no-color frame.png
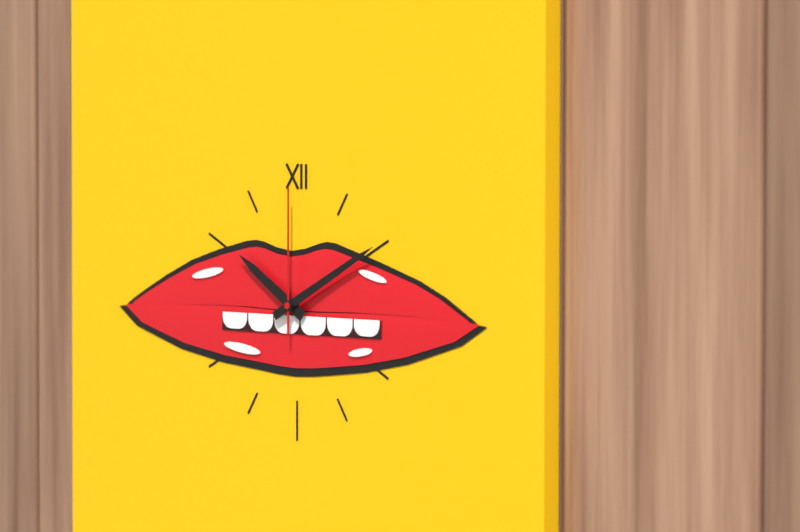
10 h 10 min 00 s
